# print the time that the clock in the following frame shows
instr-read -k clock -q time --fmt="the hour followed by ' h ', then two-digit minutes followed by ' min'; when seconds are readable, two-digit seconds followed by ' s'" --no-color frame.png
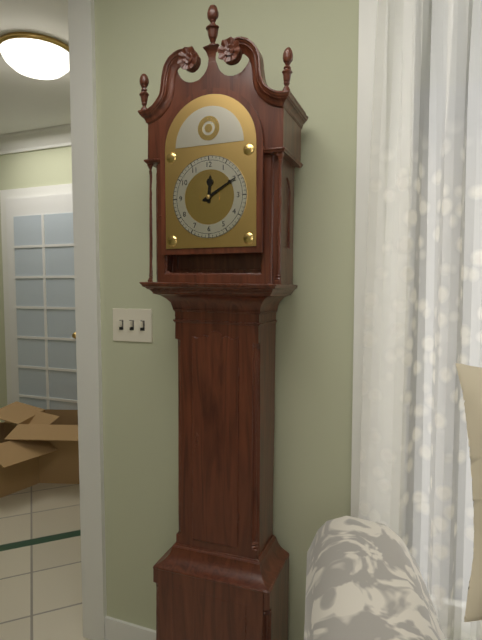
12 h 10 min
